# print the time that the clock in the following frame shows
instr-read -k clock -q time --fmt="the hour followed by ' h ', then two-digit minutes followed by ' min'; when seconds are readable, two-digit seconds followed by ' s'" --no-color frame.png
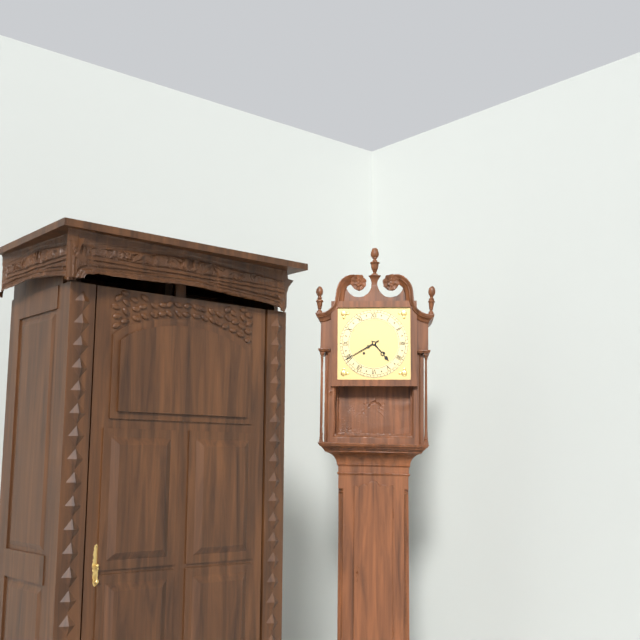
4 h 40 min
